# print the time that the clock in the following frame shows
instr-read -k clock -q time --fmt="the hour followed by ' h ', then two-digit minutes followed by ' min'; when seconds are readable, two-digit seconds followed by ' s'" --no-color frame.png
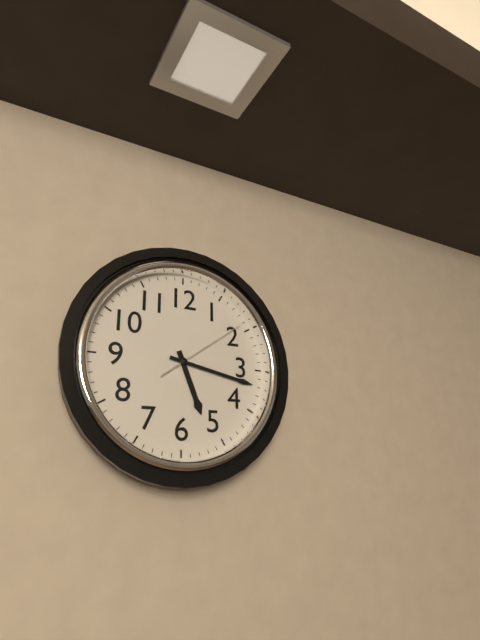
5 h 17 min 09 s
